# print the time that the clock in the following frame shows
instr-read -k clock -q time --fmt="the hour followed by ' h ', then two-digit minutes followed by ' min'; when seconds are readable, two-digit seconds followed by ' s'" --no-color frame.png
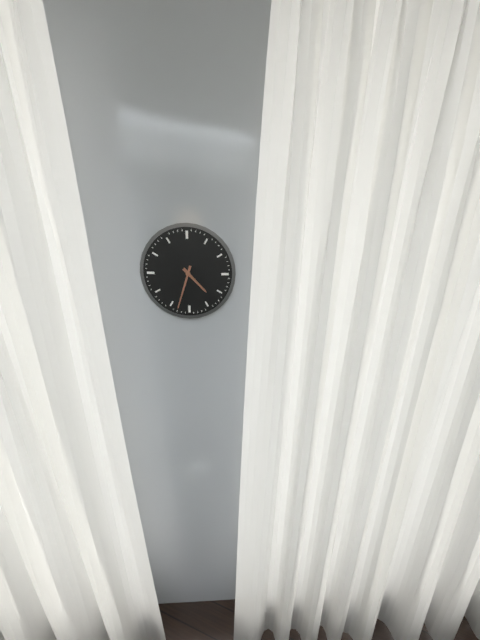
4 h 33 min
